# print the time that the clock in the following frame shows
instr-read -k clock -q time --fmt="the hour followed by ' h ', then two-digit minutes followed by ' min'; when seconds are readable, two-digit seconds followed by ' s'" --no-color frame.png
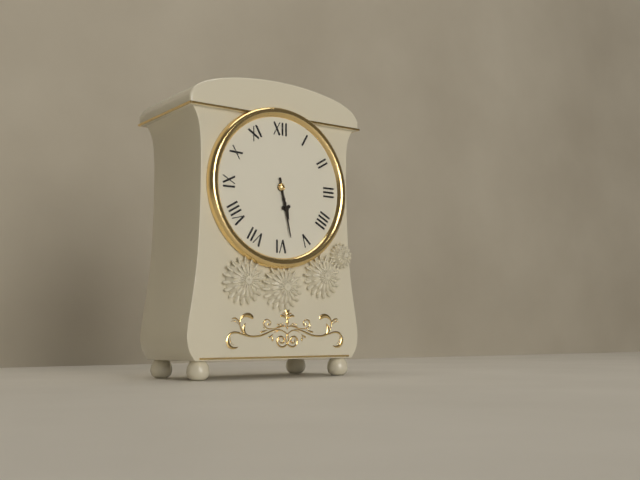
5 h 28 min
